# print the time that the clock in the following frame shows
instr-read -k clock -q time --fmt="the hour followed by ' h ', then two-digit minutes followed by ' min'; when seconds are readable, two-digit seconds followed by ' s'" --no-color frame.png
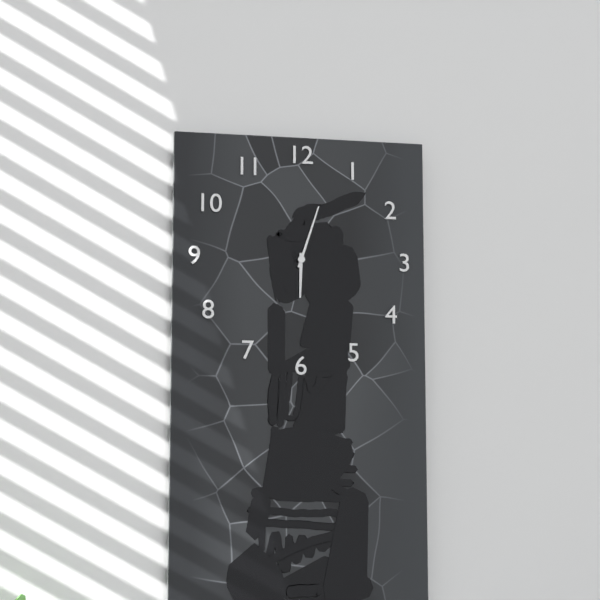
6 h 03 min
